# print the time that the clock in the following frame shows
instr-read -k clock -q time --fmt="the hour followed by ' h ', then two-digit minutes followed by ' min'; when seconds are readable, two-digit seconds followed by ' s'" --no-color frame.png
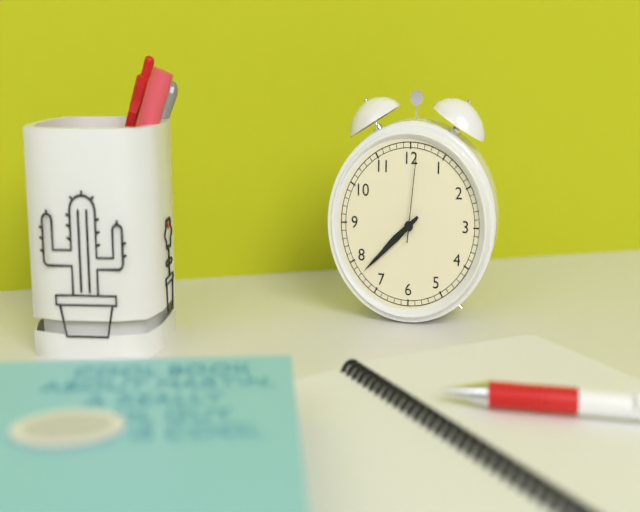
7 h 38 min 01 s
